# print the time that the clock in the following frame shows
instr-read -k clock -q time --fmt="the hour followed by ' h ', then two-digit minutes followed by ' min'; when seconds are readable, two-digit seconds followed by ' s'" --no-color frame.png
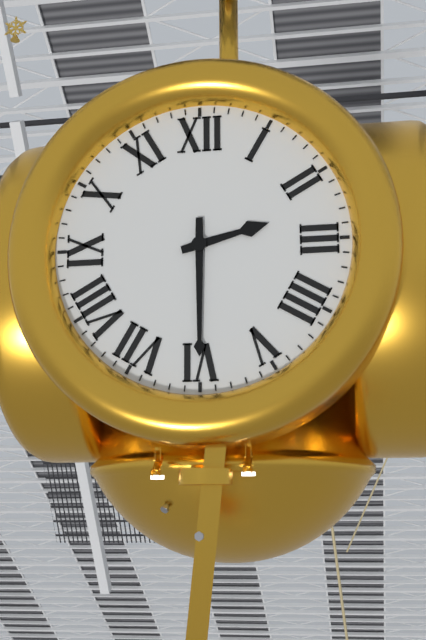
2 h 30 min
